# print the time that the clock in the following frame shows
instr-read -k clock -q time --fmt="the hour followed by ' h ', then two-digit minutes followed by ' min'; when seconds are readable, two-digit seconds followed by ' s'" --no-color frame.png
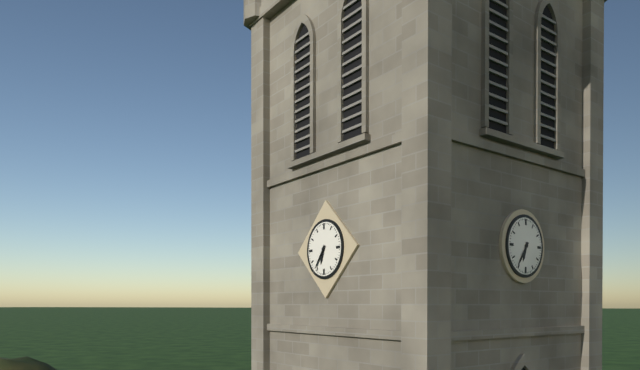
6 h 36 min
